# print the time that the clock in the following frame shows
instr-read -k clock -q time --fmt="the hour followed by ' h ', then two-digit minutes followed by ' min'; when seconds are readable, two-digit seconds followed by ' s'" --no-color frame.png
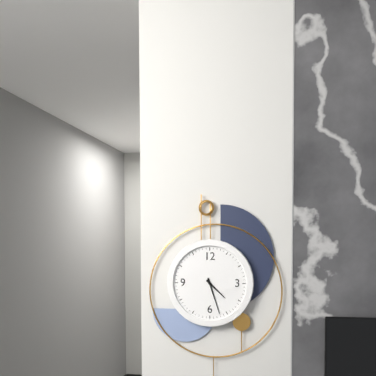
4 h 27 min
